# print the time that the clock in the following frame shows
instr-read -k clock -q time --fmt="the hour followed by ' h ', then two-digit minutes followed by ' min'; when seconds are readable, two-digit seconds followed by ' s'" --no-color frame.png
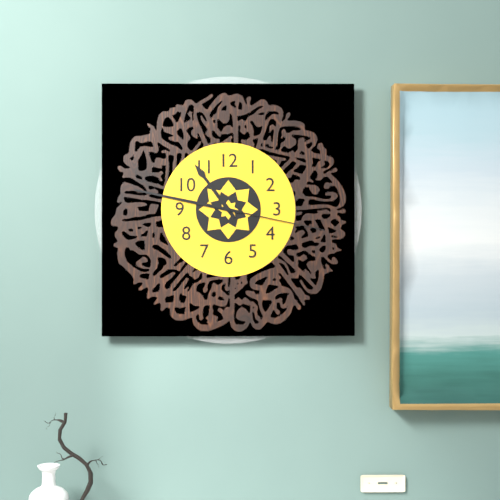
10 h 47 min 17 s
